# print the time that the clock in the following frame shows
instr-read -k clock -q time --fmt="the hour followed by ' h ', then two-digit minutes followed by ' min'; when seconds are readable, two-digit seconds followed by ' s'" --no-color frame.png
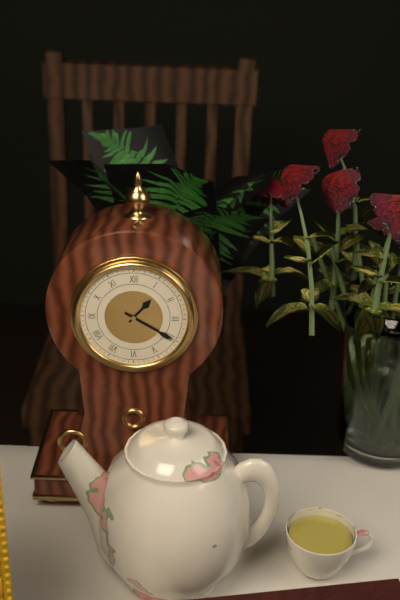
1 h 20 min
